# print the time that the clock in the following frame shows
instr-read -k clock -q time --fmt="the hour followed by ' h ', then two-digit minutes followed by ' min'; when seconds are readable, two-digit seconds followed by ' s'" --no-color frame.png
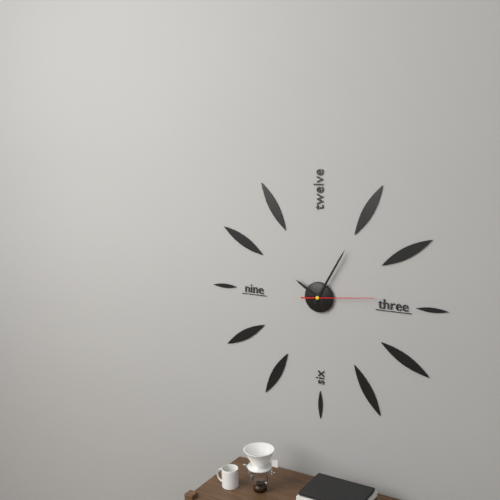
10 h 05 min 14 s
